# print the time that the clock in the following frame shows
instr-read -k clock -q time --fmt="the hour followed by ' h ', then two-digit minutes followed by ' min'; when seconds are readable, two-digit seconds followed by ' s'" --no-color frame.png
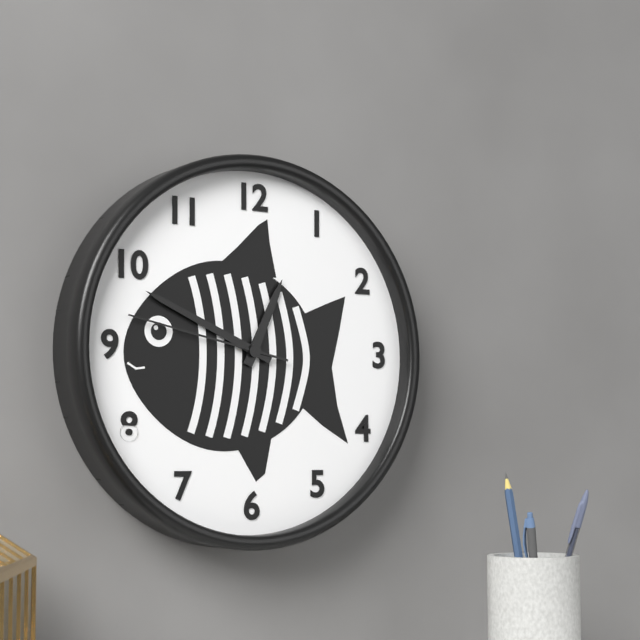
12 h 49 min 47 s
